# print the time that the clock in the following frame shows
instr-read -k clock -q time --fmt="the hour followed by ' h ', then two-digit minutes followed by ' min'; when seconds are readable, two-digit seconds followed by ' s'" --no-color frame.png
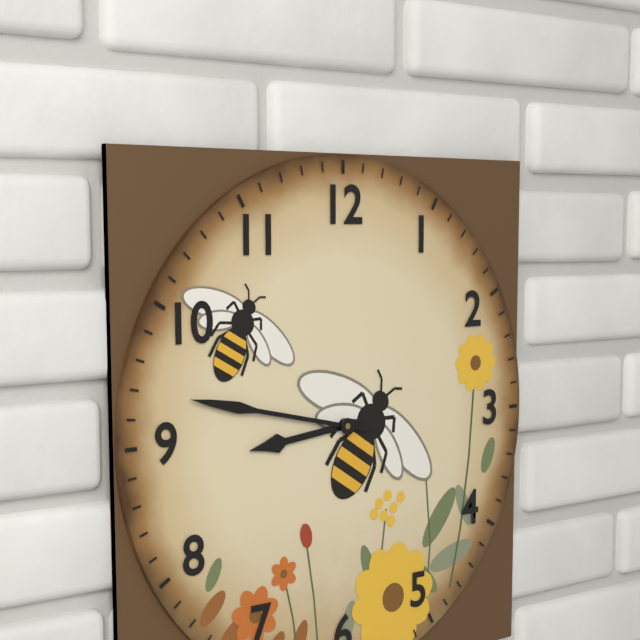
8 h 47 min
